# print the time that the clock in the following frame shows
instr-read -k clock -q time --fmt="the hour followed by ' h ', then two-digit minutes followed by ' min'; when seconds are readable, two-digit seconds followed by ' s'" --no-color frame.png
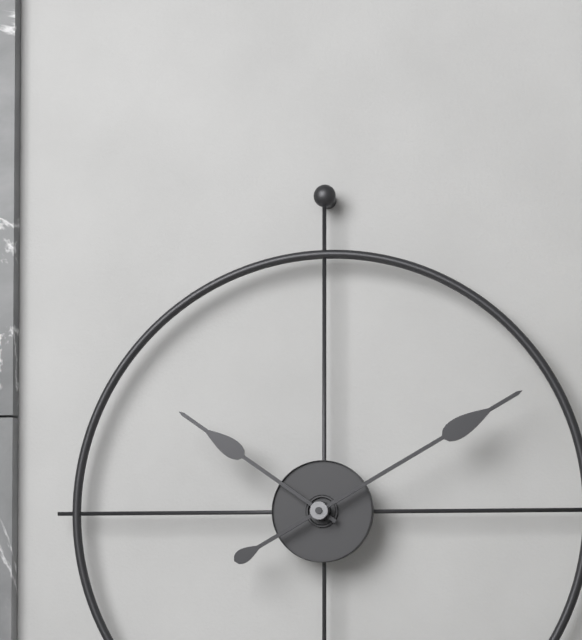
10 h 10 min
